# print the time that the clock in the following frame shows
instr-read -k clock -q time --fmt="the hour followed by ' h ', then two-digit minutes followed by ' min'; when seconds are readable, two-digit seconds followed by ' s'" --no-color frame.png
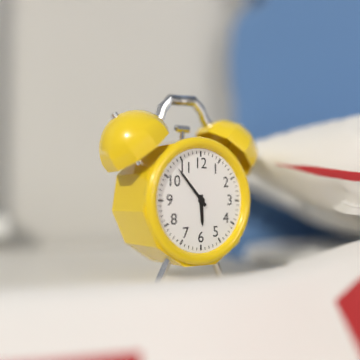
5 h 53 min
